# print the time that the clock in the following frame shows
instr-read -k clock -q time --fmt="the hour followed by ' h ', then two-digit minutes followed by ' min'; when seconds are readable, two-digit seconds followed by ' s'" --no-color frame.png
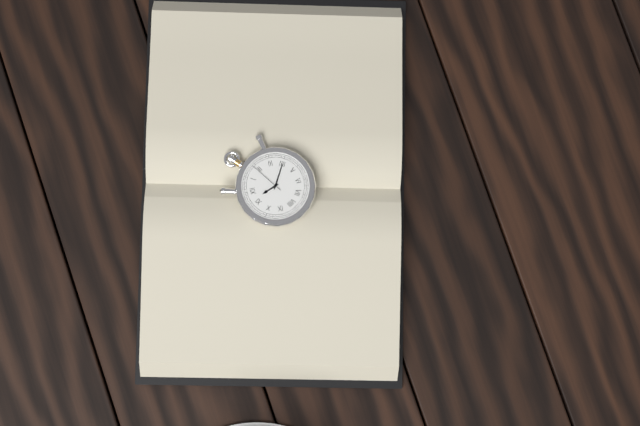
11 h 20 min
